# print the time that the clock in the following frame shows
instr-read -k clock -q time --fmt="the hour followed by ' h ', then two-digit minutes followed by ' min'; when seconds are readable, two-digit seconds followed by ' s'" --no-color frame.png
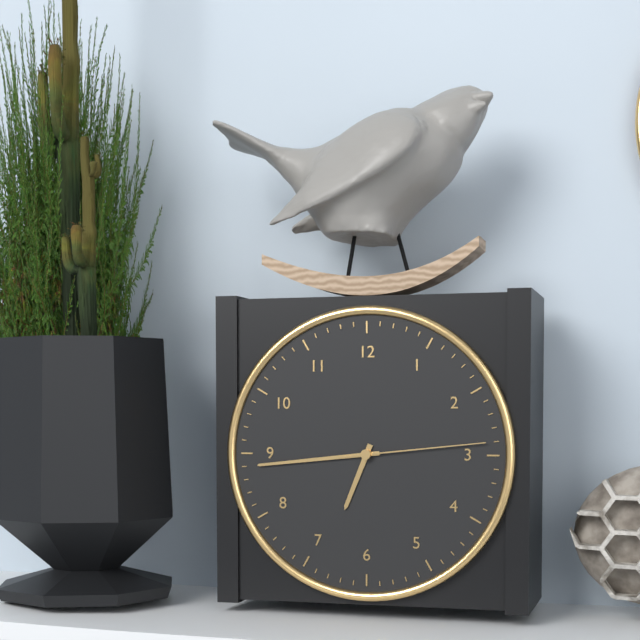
6 h 44 min 14 s
